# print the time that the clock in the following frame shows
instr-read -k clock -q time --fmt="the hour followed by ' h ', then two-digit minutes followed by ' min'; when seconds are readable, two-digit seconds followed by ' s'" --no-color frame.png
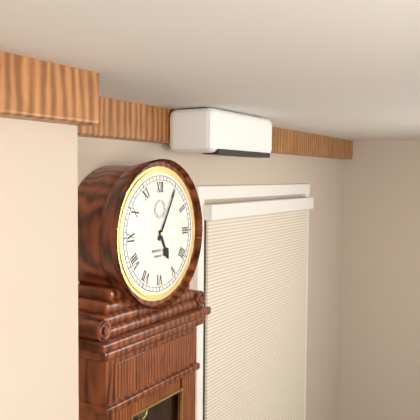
5 h 05 min
